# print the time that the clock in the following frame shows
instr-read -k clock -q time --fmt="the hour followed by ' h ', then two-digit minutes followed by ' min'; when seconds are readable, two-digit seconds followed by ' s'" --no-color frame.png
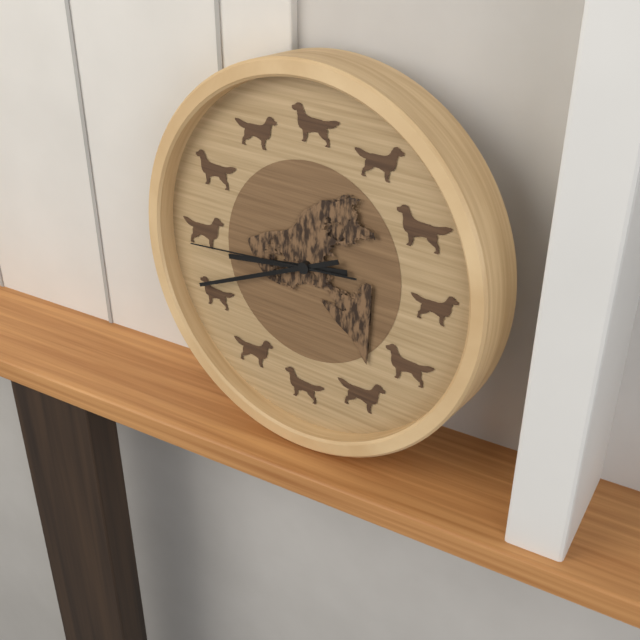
8 h 41 min 44 s
